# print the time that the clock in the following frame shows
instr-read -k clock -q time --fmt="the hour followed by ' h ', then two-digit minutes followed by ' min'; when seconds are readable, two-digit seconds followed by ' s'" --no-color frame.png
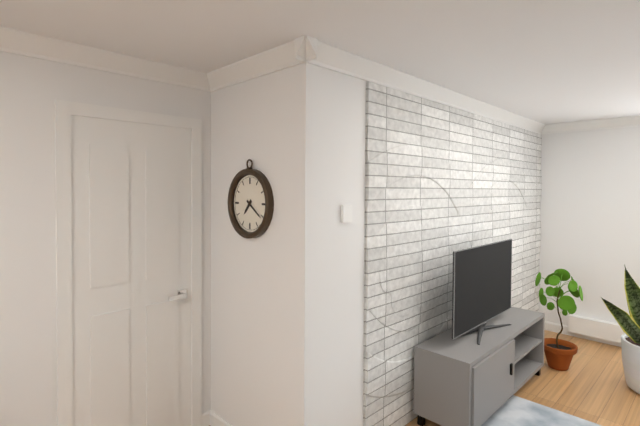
7 h 21 min
